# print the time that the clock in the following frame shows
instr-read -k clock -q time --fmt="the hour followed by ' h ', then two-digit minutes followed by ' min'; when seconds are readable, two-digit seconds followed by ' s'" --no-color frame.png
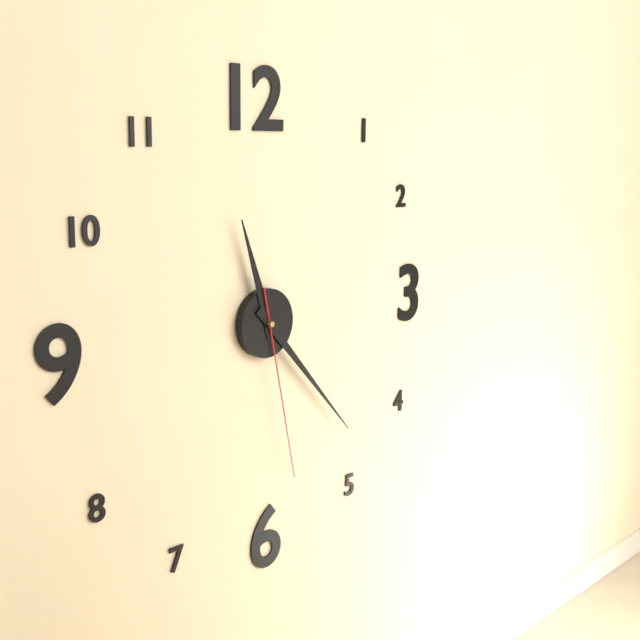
11 h 23 min 28 s
